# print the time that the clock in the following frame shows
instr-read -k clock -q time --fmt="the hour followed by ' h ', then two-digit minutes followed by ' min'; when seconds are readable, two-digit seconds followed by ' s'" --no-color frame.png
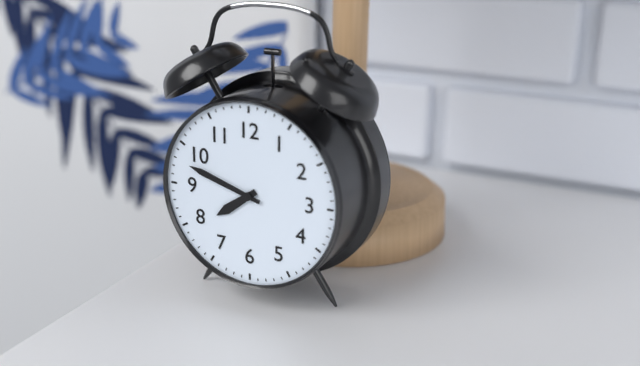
7 h 48 min
